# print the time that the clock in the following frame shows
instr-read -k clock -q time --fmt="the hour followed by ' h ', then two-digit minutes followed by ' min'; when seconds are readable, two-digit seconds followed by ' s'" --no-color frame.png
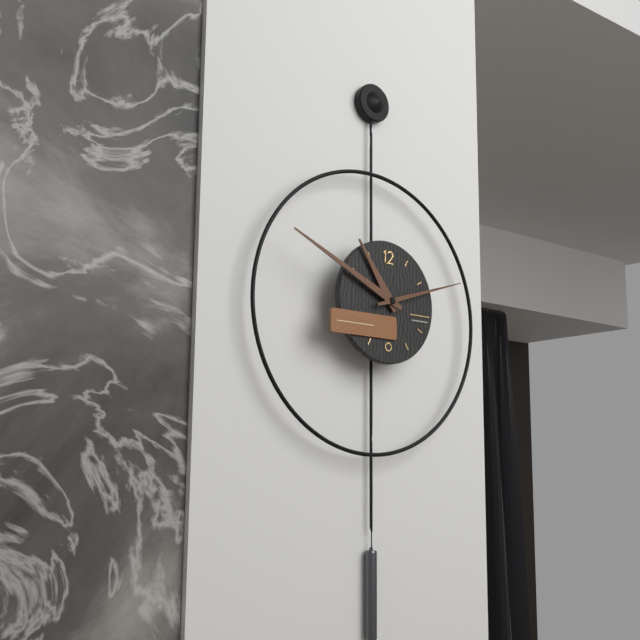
10 h 49 min 12 s
